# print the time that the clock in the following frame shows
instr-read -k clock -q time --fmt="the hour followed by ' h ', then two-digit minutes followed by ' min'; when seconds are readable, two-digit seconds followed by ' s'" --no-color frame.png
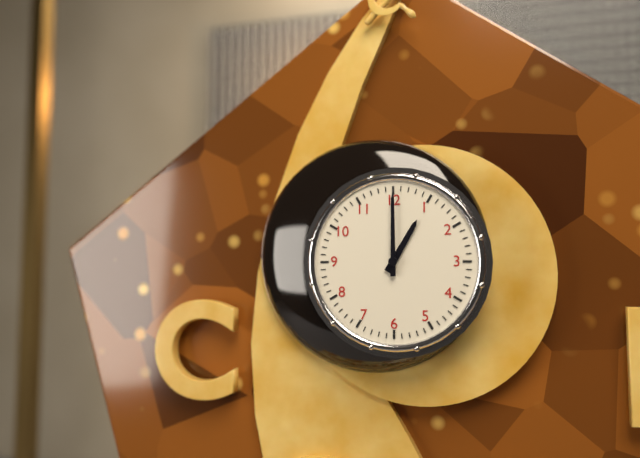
1 h 00 min
